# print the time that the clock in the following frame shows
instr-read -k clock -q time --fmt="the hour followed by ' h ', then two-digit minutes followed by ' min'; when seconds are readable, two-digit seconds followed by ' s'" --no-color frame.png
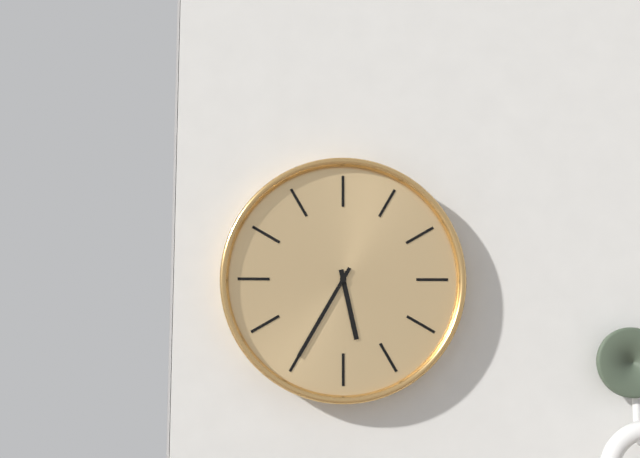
5 h 35 min
